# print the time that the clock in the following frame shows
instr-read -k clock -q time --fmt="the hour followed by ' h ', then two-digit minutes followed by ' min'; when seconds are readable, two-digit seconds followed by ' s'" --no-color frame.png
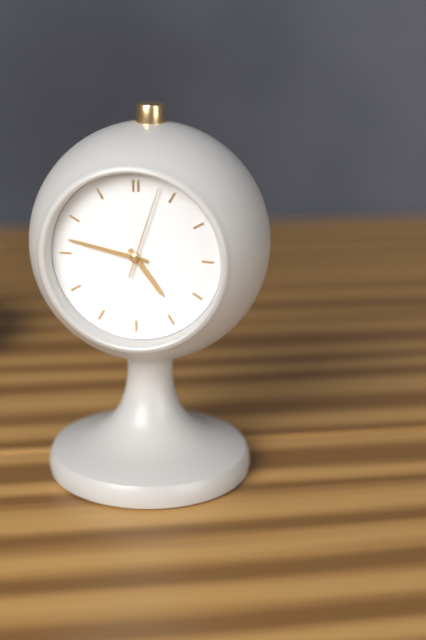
4 h 47 min 03 s
